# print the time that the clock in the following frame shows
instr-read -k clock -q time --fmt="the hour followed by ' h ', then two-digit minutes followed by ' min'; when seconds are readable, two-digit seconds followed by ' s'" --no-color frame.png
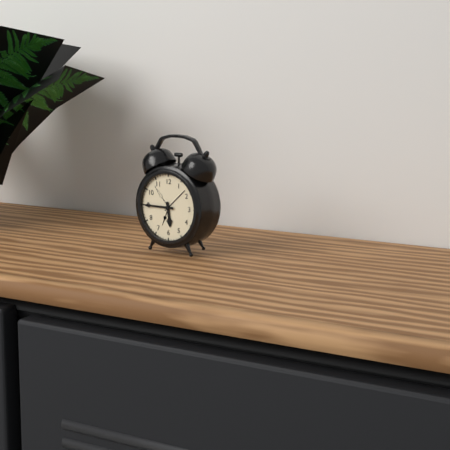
5 h 45 min
